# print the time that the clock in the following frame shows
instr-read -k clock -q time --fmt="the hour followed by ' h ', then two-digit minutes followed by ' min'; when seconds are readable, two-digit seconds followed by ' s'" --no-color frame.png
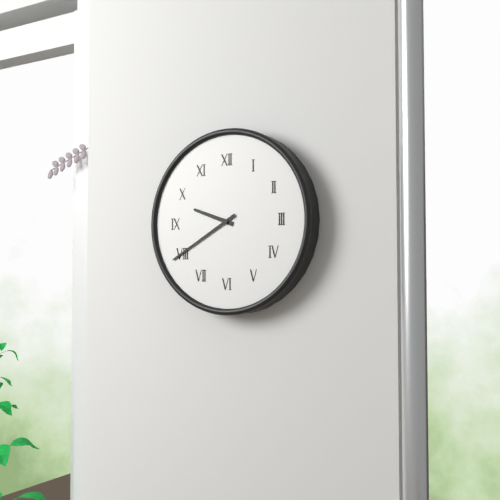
9 h 40 min
